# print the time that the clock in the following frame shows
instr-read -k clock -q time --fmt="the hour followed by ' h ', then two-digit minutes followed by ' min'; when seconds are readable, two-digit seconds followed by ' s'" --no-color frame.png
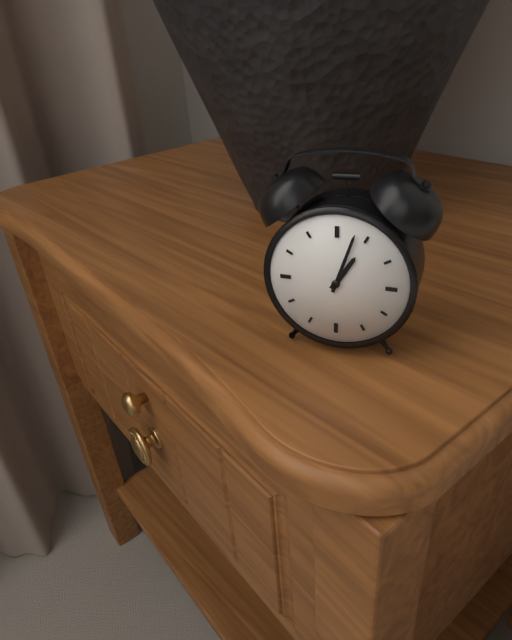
1 h 03 min
